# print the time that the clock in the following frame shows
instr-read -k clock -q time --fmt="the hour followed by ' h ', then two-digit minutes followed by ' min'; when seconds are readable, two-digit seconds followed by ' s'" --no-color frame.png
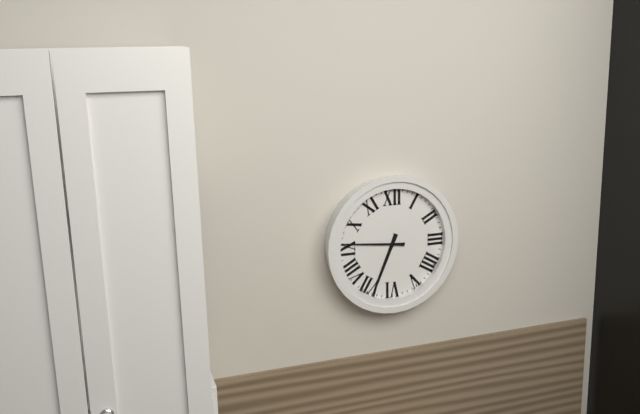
6 h 46 min
